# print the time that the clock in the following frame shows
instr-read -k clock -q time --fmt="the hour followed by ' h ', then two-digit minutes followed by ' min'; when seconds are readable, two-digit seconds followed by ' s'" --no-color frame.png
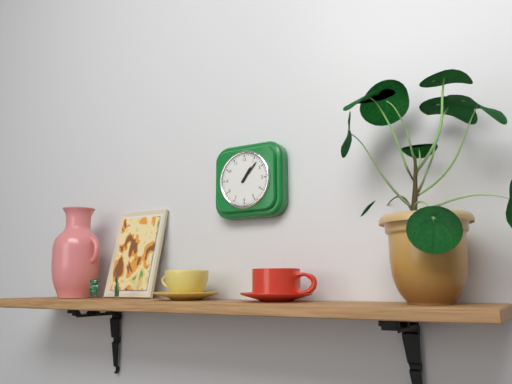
1 h 07 min
